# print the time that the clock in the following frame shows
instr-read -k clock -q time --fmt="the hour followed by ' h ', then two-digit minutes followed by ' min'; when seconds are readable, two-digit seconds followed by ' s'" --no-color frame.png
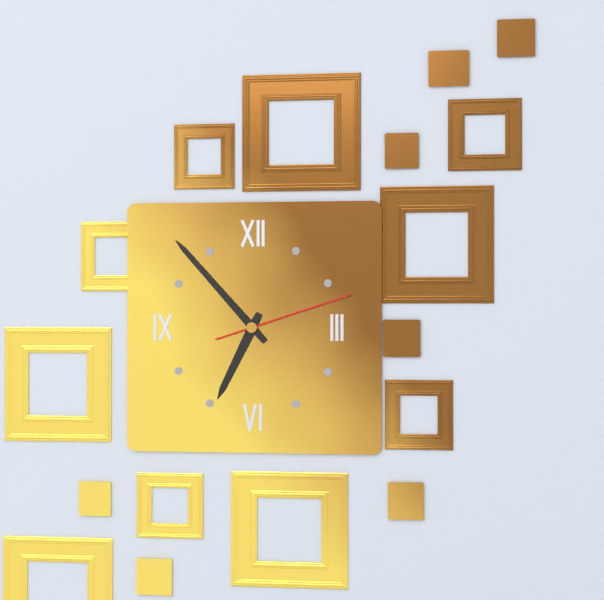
6 h 53 min 12 s
